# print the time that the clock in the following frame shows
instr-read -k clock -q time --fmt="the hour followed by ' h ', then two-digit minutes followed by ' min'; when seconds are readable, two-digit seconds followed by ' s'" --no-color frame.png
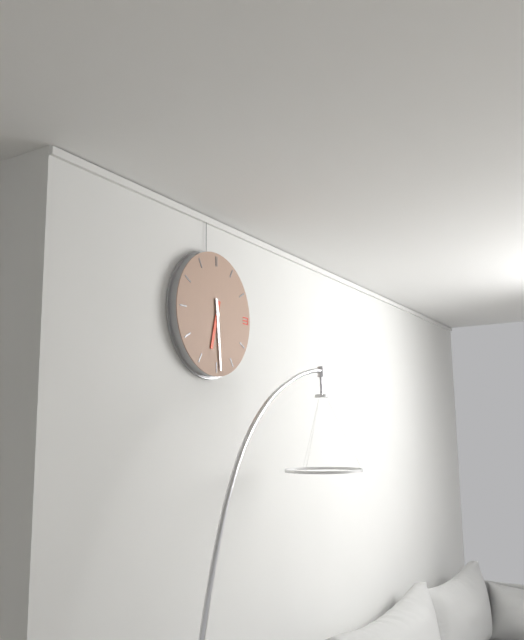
6 h 29 min
